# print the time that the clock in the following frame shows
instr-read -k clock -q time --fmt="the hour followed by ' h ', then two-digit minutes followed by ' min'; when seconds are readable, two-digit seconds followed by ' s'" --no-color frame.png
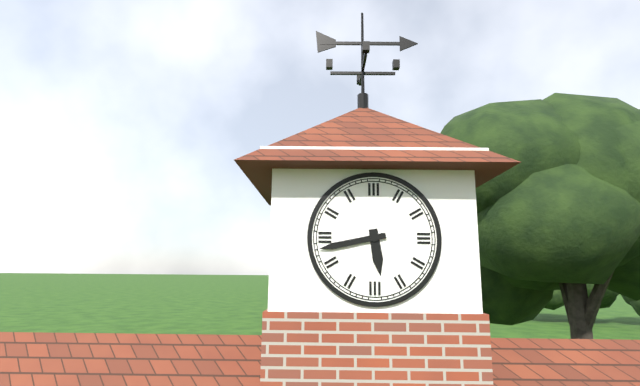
5 h 43 min
